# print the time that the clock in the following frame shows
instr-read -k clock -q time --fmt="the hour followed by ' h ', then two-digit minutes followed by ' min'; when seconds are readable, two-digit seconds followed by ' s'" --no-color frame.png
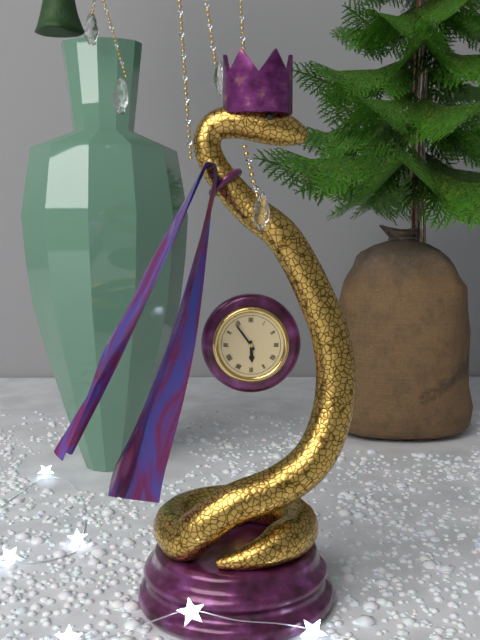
5 h 54 min
